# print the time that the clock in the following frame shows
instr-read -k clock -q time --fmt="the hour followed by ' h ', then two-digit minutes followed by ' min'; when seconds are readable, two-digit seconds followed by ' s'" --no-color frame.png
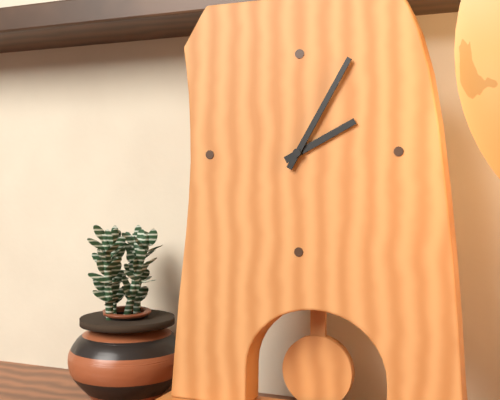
2 h 05 min
